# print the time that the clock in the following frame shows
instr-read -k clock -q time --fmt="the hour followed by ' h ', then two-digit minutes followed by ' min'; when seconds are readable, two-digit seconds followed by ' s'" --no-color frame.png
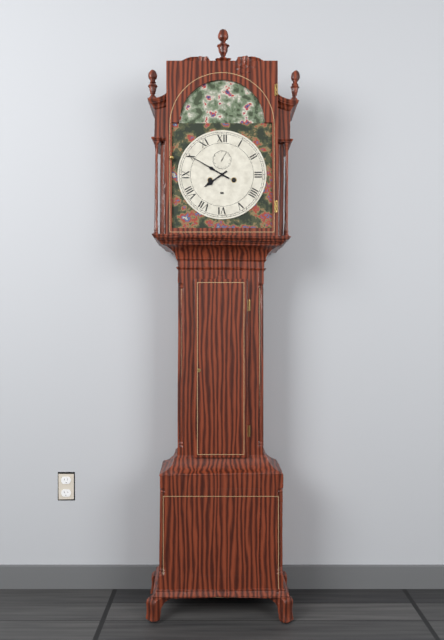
7 h 50 min
